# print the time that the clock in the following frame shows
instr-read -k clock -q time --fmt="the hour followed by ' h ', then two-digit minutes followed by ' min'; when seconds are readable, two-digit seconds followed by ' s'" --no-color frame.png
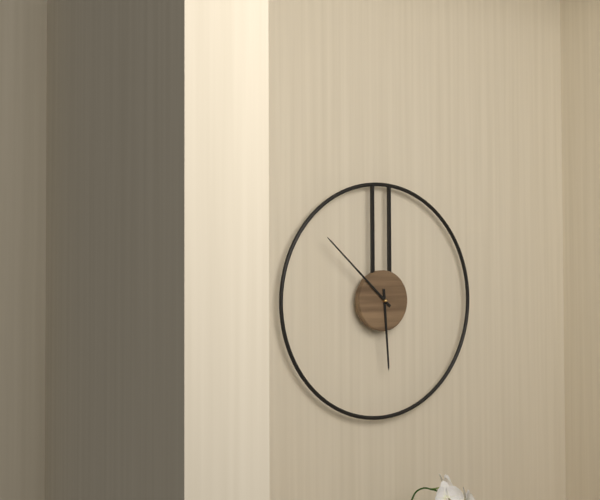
5 h 52 min
